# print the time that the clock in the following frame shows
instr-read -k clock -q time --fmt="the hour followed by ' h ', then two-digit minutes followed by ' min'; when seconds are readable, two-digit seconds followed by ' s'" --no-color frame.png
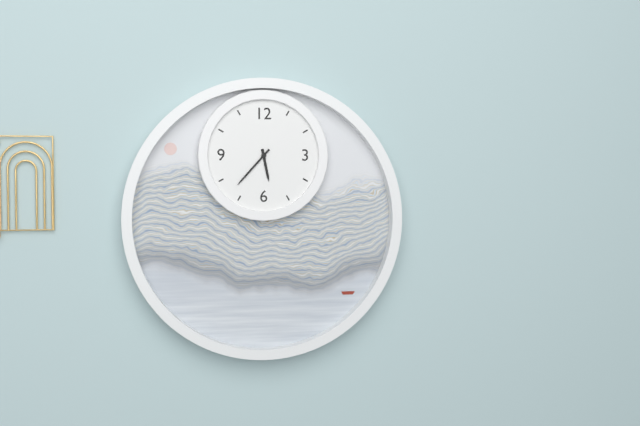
5 h 37 min
